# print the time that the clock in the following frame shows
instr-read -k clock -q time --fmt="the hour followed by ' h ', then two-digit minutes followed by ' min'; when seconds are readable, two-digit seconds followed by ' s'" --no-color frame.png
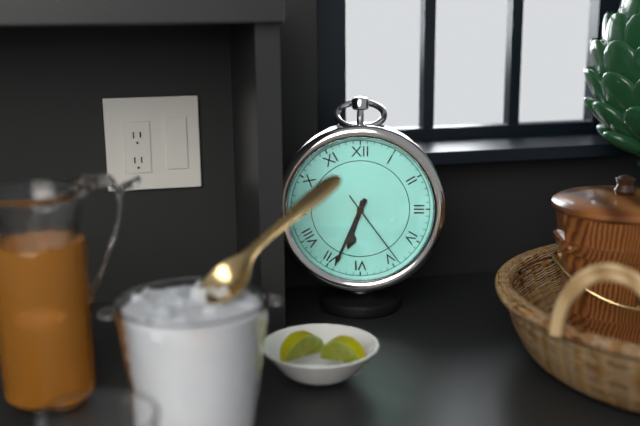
6 h 34 min 24 s
